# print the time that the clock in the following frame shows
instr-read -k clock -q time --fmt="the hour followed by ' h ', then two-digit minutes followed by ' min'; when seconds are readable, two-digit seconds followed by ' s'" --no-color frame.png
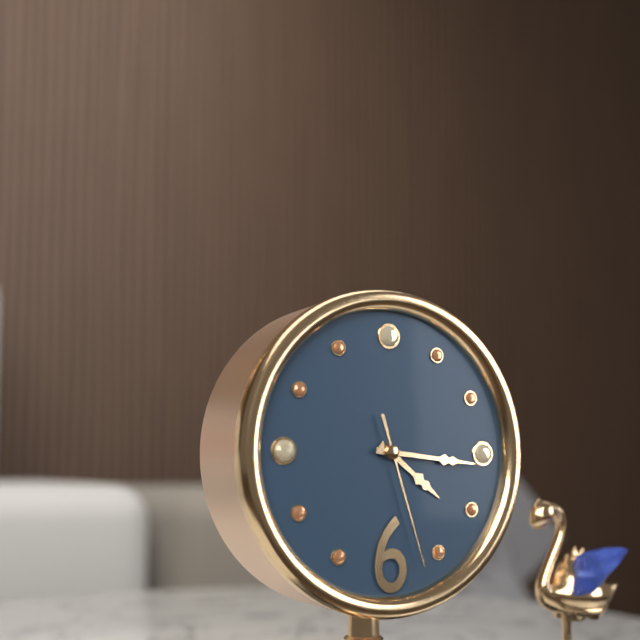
4 h 16 min 27 s
